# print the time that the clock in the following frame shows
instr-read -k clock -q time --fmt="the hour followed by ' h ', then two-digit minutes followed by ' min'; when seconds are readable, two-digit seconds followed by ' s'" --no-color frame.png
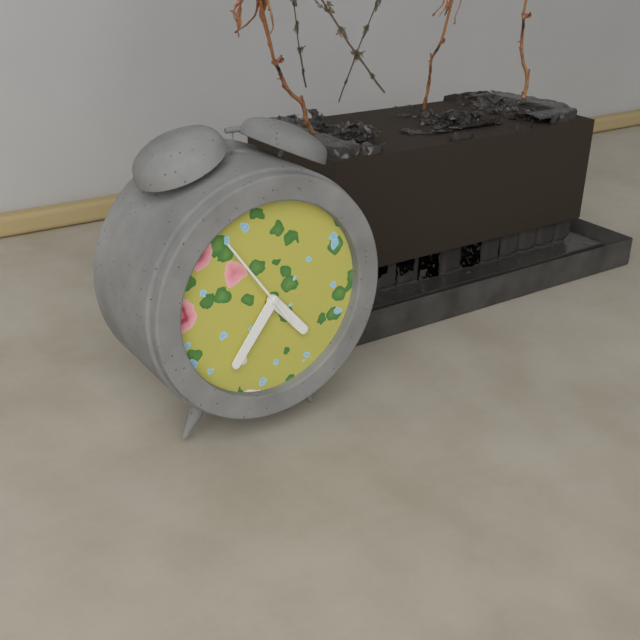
4 h 36 min 54 s
